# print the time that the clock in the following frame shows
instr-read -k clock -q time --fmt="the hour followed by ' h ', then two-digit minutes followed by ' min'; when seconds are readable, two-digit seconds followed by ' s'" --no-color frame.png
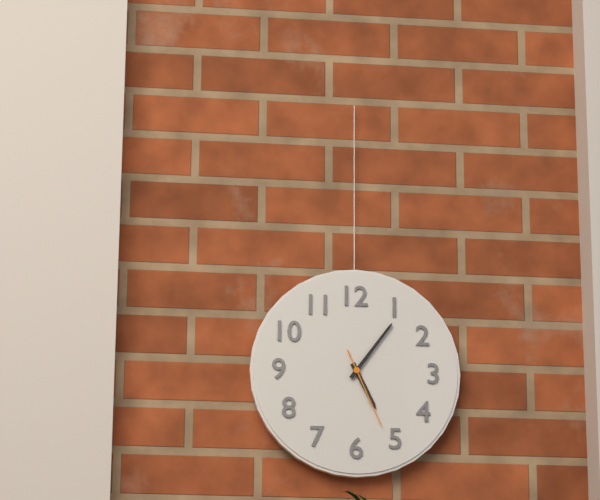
5 h 06 min 26 s
